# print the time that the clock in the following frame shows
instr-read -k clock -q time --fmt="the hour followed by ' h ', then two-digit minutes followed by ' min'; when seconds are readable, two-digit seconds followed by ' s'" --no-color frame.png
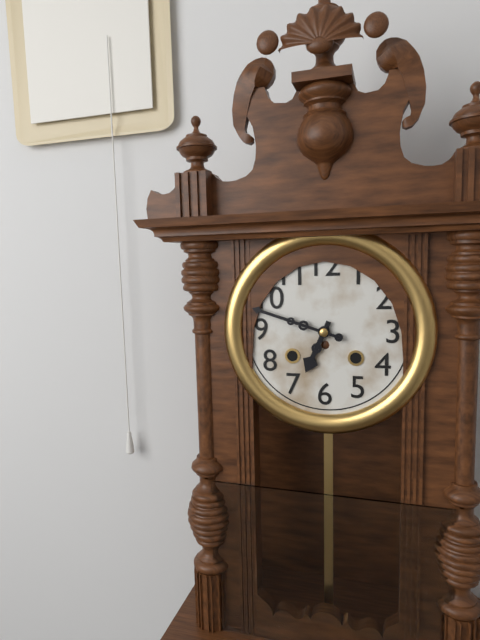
6 h 48 min
